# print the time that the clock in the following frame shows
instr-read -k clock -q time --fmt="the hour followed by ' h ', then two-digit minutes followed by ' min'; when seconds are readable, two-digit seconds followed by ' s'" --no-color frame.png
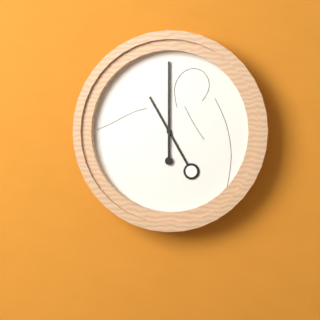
11 h 00 min
